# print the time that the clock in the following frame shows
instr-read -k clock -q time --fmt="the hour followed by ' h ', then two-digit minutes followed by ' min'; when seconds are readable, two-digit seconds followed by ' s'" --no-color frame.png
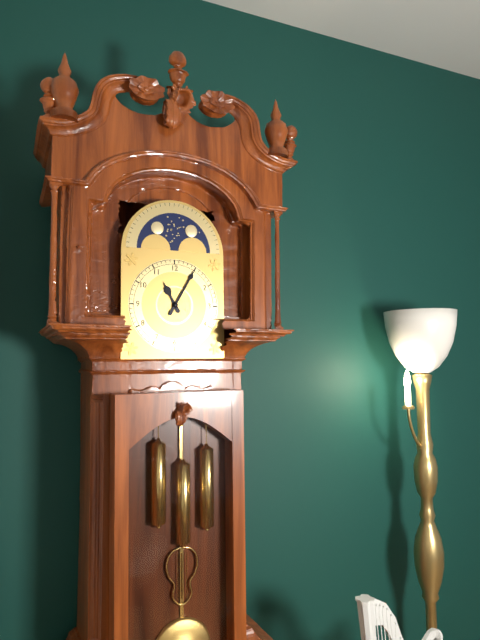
11 h 05 min
